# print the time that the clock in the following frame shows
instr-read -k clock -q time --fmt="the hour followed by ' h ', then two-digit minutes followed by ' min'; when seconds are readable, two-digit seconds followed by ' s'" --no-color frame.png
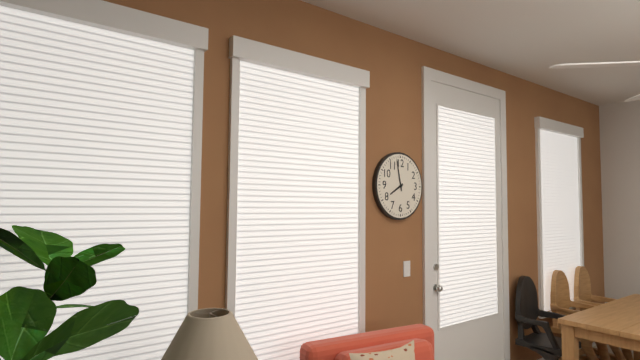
7 h 58 min
